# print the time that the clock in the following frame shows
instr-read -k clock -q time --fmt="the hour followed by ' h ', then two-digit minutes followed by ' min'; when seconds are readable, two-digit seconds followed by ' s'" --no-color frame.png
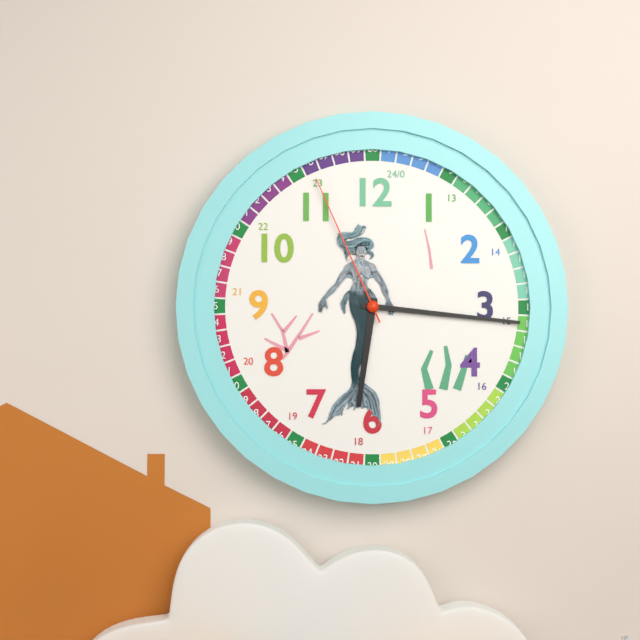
6 h 16 min 56 s
